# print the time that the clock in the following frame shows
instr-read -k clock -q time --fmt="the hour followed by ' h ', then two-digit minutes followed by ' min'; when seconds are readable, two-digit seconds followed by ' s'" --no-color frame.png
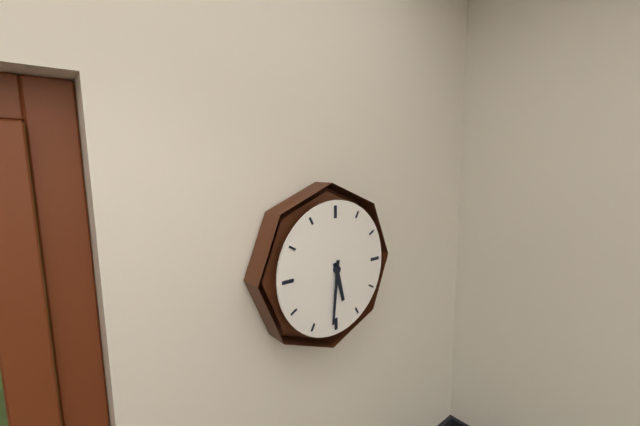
5 h 31 min
